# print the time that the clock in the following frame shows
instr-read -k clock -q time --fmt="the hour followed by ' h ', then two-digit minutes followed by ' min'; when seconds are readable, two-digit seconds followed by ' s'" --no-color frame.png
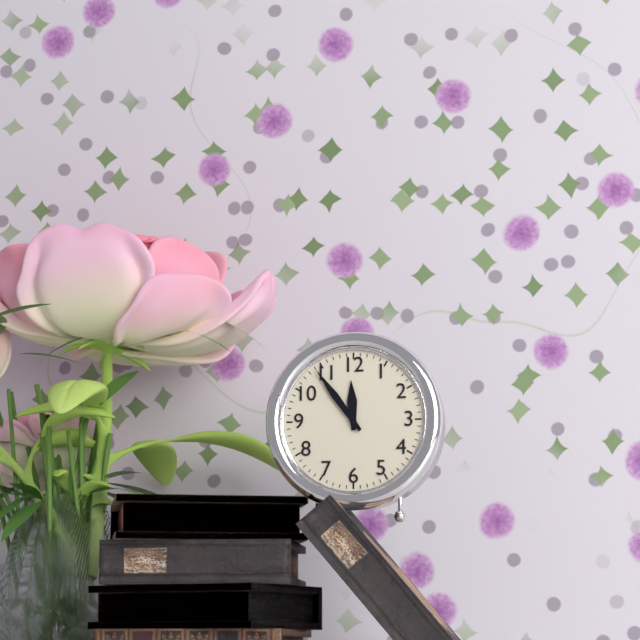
11 h 54 min
